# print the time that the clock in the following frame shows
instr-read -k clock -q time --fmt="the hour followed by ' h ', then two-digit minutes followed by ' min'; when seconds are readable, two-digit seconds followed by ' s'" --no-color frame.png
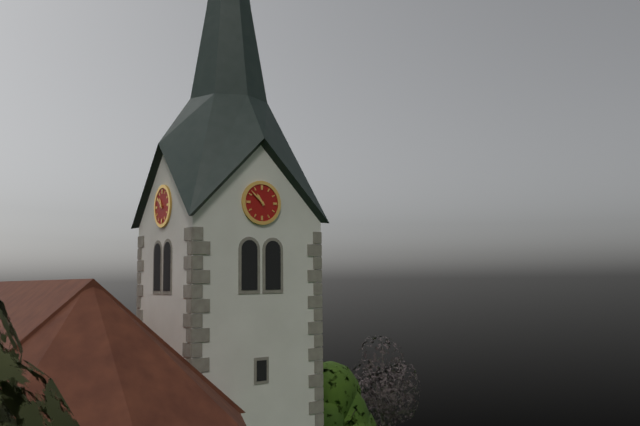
10 h 52 min
